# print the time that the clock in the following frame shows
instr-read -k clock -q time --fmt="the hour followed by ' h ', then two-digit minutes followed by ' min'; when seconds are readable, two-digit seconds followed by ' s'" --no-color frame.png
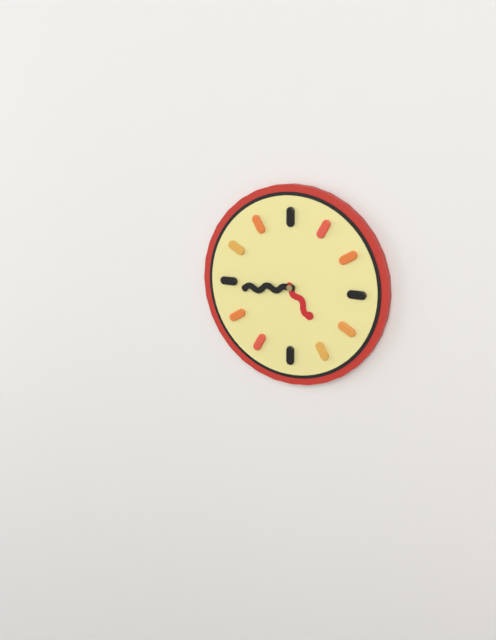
4 h 44 min
